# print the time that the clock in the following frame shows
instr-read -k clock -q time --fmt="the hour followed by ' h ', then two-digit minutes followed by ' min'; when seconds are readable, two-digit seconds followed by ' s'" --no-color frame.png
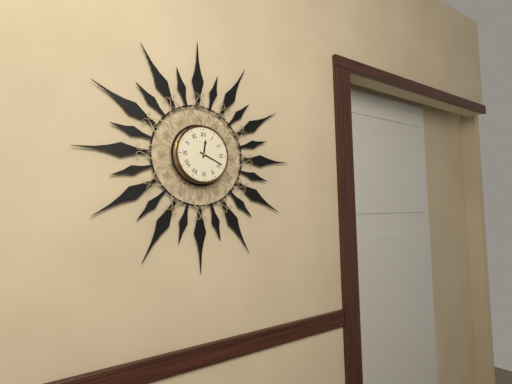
12 h 19 min
